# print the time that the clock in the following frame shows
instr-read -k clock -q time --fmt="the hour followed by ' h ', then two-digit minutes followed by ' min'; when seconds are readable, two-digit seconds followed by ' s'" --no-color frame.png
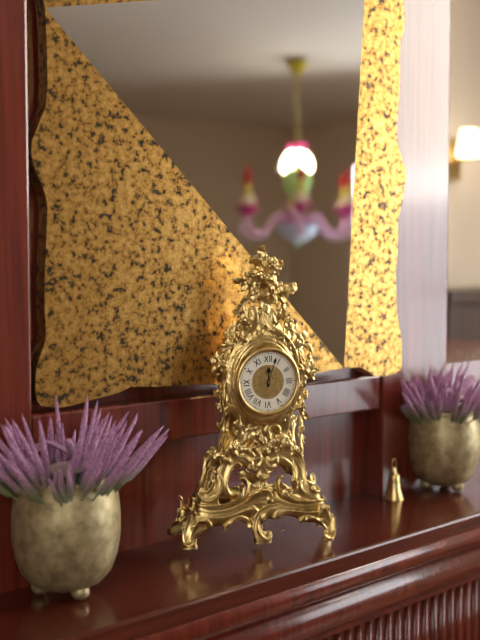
12 h 03 min
